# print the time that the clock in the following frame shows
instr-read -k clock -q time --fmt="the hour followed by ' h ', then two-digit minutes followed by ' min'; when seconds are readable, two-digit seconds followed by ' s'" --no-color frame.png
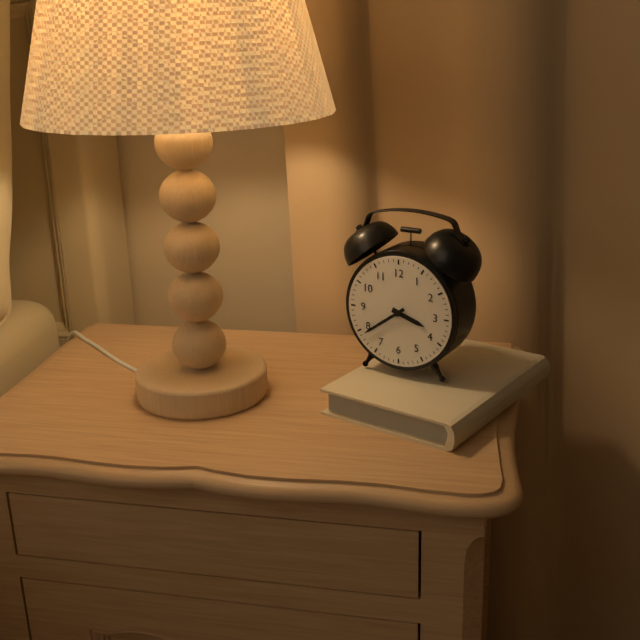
3 h 39 min
